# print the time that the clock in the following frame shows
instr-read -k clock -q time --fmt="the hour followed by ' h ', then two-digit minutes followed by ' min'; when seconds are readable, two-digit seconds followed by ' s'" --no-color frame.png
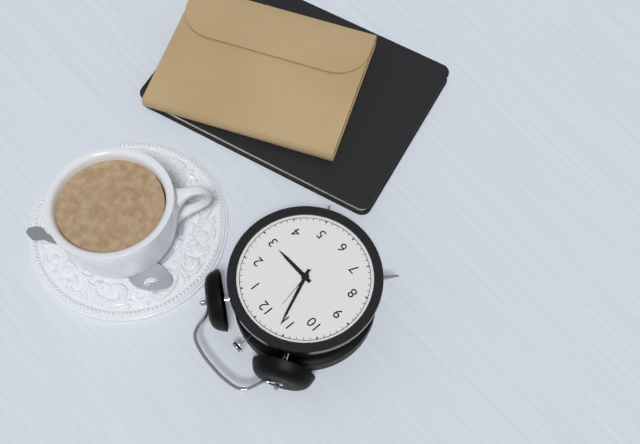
2 h 56 min
